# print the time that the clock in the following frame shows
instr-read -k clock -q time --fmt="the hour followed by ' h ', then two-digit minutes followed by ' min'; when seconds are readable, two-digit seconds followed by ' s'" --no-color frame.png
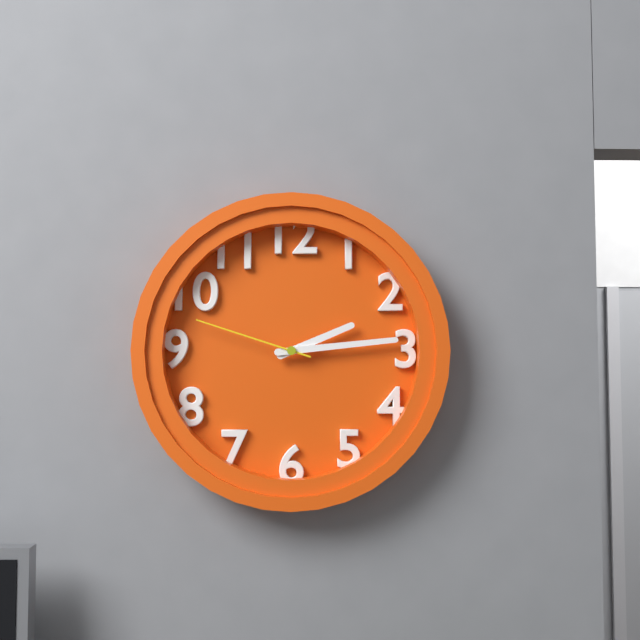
2 h 14 min 48 s
